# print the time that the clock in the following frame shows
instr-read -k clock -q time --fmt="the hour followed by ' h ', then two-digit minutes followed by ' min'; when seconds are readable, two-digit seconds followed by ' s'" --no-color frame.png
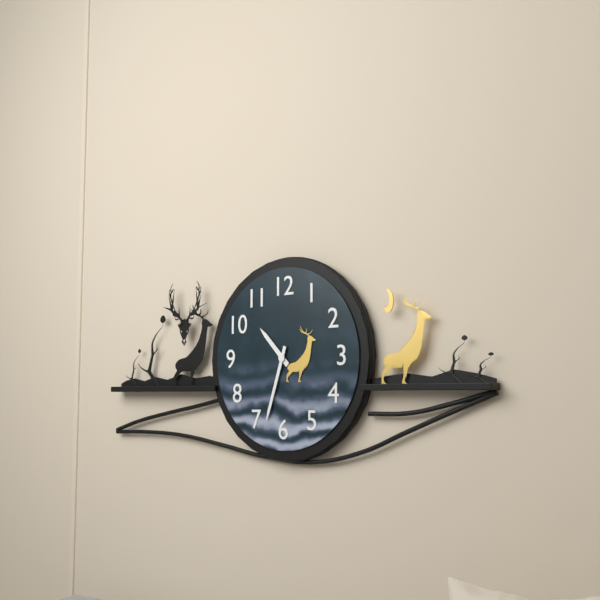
10 h 33 min
